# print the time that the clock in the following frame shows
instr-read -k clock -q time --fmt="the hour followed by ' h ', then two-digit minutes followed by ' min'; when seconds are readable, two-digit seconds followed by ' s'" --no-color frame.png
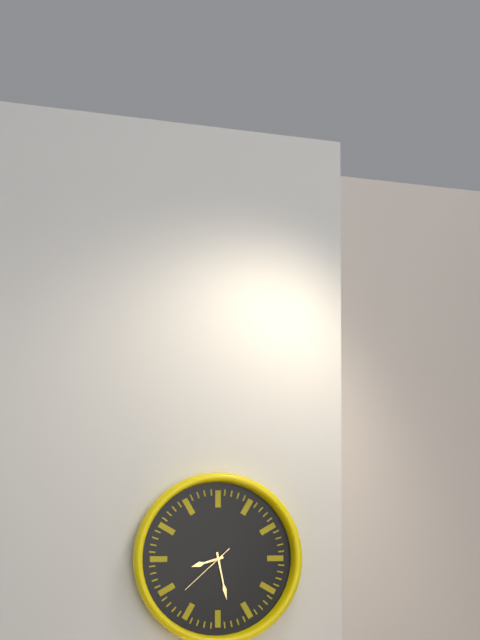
8 h 28 min 38 s
